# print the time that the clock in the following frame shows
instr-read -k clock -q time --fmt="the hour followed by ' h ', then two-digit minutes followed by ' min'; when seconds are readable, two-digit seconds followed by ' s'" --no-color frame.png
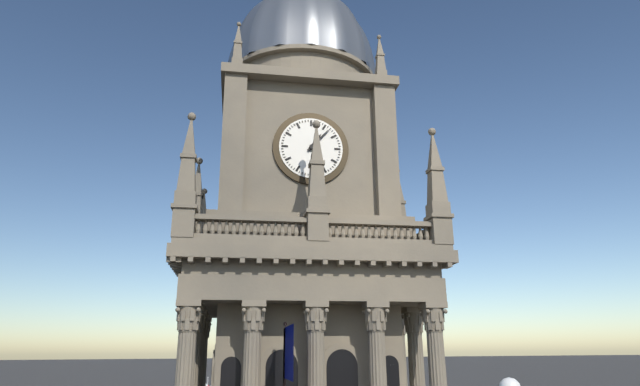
1 h 07 min
